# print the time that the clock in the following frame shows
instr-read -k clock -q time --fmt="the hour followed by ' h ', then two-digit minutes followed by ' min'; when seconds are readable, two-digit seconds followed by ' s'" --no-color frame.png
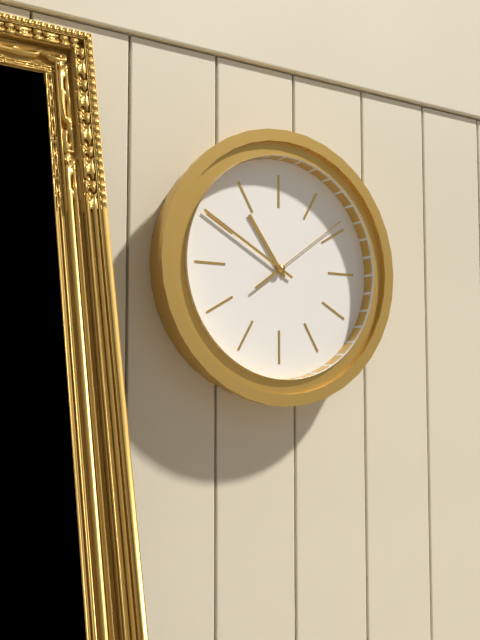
10 h 50 min 09 s
